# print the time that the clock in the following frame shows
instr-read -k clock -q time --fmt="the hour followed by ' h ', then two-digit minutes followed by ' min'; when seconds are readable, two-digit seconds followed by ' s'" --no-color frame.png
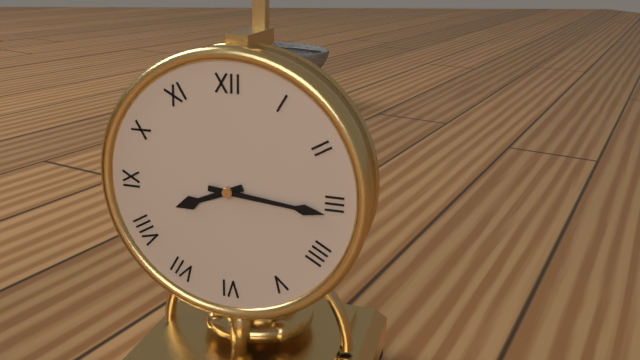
8 h 16 min
